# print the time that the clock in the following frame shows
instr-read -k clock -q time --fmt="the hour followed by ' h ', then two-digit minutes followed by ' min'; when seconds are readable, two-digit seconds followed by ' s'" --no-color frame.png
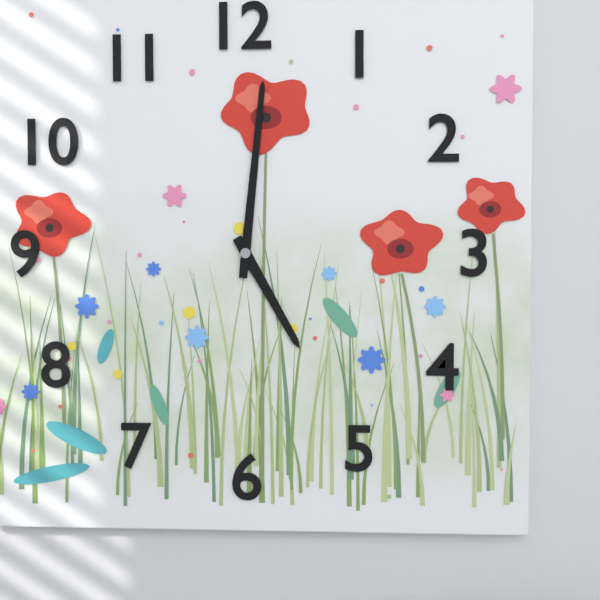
5 h 01 min
